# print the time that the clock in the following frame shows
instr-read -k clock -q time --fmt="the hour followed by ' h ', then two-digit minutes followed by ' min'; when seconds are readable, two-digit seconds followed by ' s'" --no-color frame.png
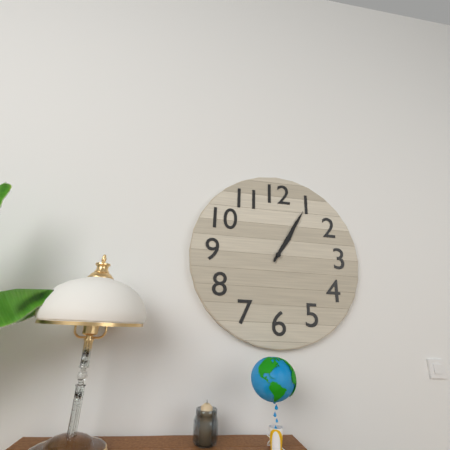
1 h 05 min
